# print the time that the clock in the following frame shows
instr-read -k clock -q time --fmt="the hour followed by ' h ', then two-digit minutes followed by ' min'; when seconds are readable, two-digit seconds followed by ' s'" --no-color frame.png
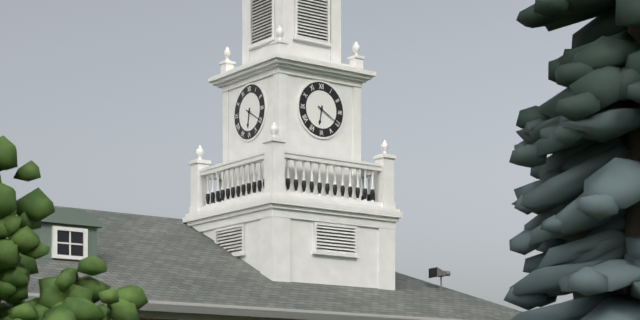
6 h 20 min
